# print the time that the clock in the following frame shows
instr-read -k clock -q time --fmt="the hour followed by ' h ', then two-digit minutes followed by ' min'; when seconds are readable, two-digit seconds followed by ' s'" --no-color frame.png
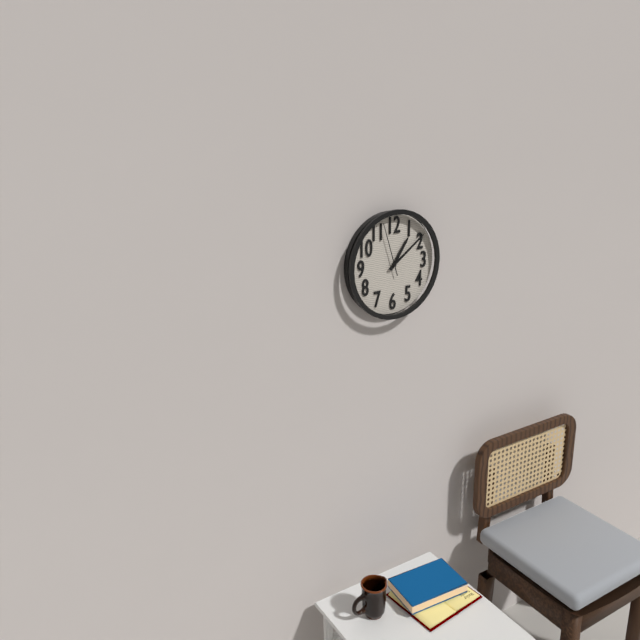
1 h 09 min 57 s
